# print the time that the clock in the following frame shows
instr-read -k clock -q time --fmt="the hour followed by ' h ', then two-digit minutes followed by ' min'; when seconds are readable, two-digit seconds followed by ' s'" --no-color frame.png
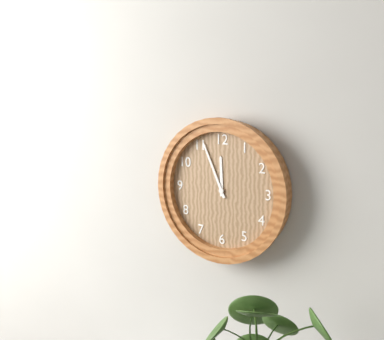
11 h 56 min
